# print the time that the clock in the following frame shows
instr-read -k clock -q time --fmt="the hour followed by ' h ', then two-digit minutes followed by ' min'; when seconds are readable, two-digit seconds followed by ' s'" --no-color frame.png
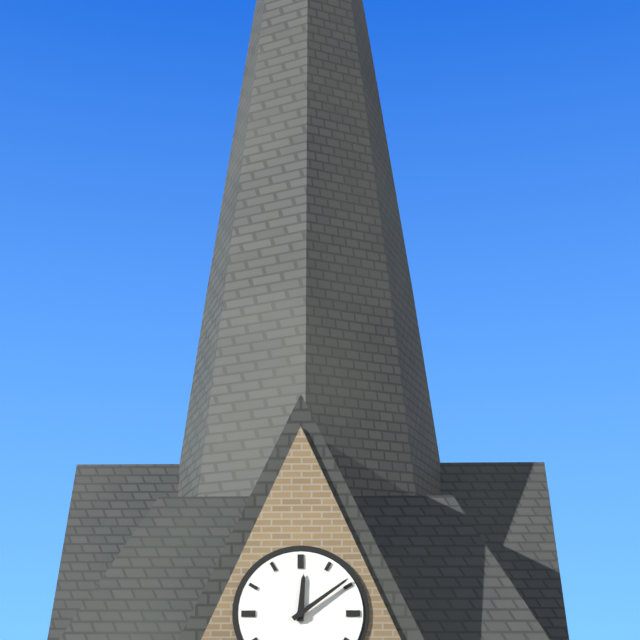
12 h 09 min
